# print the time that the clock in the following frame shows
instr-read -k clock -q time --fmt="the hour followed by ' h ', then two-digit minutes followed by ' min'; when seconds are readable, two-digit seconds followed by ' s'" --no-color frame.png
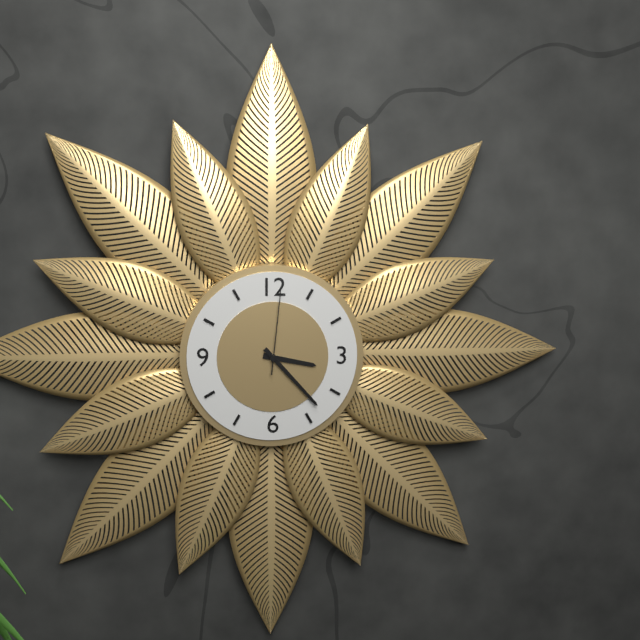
3 h 23 min 01 s
